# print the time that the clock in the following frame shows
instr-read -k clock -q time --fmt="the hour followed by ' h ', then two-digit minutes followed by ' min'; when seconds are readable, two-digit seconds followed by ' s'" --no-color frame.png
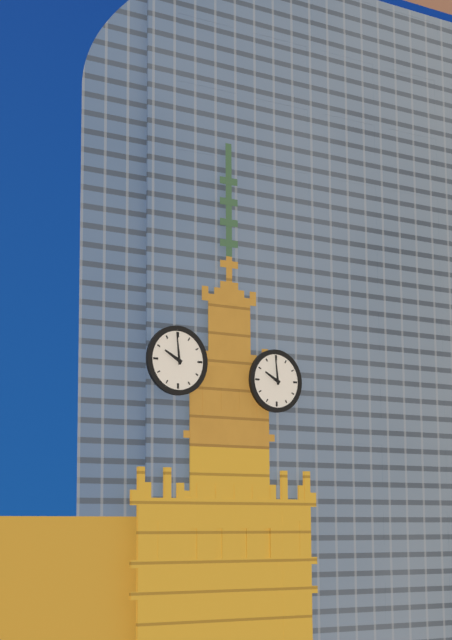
9 h 59 min
